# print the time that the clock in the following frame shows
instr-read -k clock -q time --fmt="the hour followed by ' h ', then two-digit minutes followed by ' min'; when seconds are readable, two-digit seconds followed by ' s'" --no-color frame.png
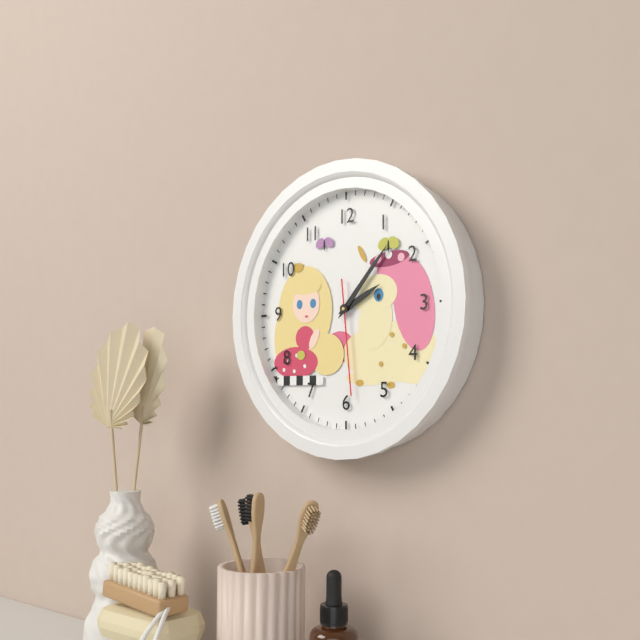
2 h 07 min 29 s
